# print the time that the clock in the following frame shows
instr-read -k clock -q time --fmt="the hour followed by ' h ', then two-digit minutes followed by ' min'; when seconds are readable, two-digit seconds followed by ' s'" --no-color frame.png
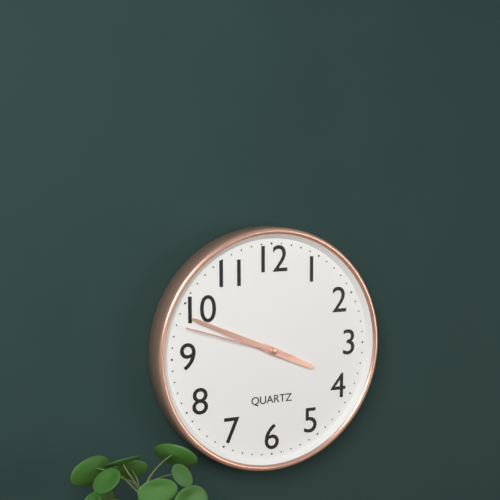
3 h 49 min 48 s
